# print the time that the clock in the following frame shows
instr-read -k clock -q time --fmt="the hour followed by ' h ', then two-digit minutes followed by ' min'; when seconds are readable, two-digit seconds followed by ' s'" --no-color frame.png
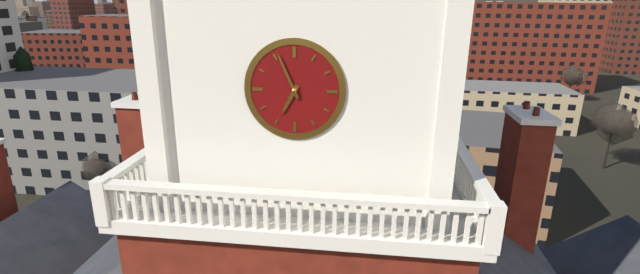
6 h 56 min
